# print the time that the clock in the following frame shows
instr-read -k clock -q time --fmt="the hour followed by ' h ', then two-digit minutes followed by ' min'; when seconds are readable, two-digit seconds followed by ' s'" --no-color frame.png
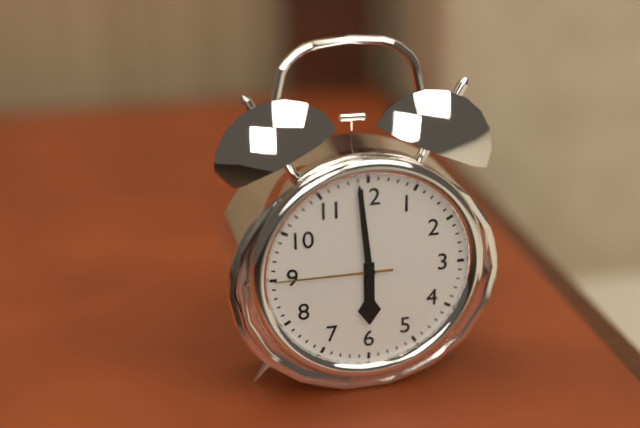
5 h 59 min 45 s
